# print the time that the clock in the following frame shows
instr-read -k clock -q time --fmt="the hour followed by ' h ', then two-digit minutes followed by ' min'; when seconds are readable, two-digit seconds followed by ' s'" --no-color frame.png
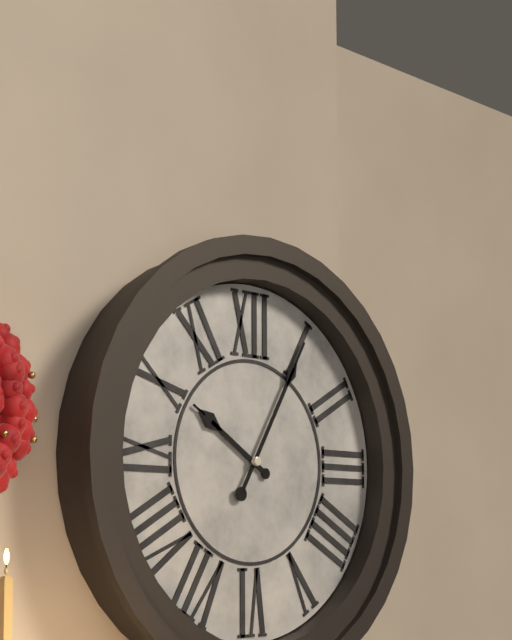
10 h 05 min
